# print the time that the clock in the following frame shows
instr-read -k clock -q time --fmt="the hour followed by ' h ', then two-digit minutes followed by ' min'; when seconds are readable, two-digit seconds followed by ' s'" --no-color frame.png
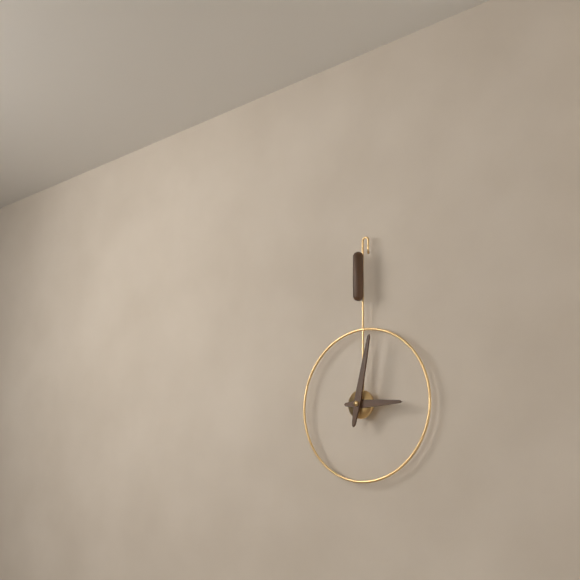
3 h 02 min
